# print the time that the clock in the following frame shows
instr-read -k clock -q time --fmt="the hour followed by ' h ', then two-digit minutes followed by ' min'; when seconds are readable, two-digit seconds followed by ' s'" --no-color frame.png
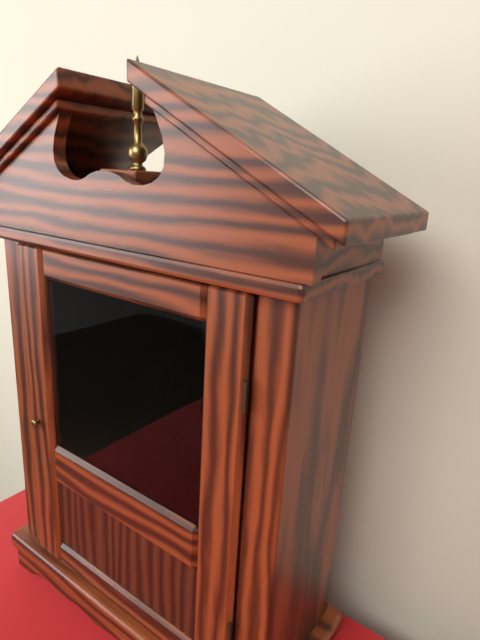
3 h 03 min
